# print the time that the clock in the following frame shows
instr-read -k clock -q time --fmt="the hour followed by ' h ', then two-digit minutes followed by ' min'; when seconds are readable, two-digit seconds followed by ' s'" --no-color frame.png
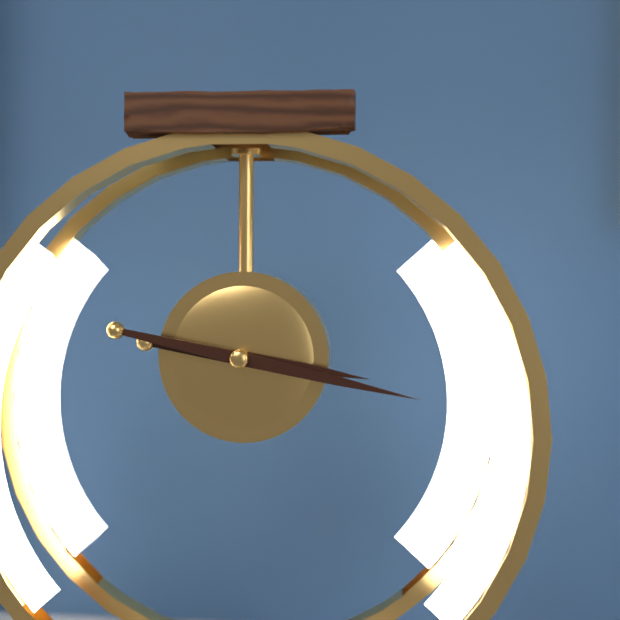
3 h 17 min
